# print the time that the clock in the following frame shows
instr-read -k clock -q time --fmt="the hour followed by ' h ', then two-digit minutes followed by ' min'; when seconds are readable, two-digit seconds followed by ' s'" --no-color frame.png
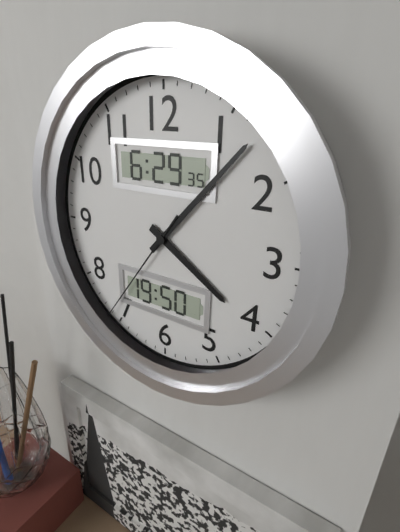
4 h 07 min 36 s
